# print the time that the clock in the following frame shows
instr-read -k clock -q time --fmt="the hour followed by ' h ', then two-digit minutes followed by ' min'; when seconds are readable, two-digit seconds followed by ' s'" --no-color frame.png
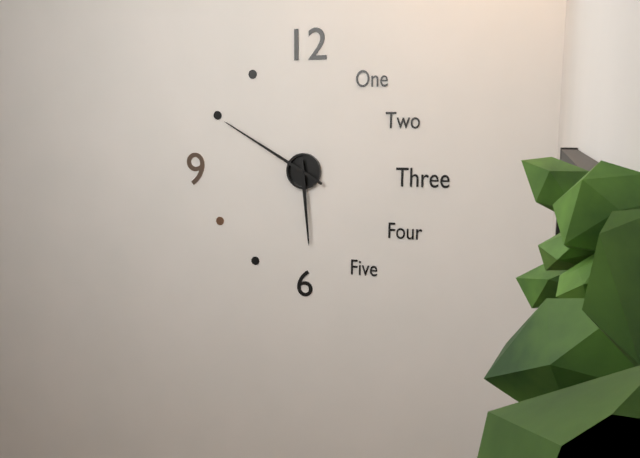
5 h 50 min
